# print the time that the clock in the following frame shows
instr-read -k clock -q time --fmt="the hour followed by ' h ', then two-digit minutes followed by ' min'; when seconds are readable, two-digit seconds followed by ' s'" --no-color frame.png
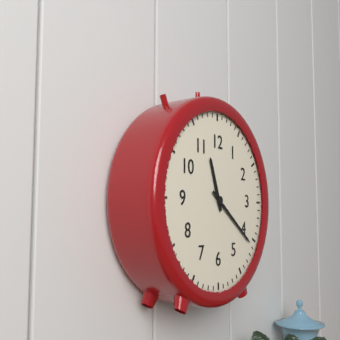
11 h 21 min
